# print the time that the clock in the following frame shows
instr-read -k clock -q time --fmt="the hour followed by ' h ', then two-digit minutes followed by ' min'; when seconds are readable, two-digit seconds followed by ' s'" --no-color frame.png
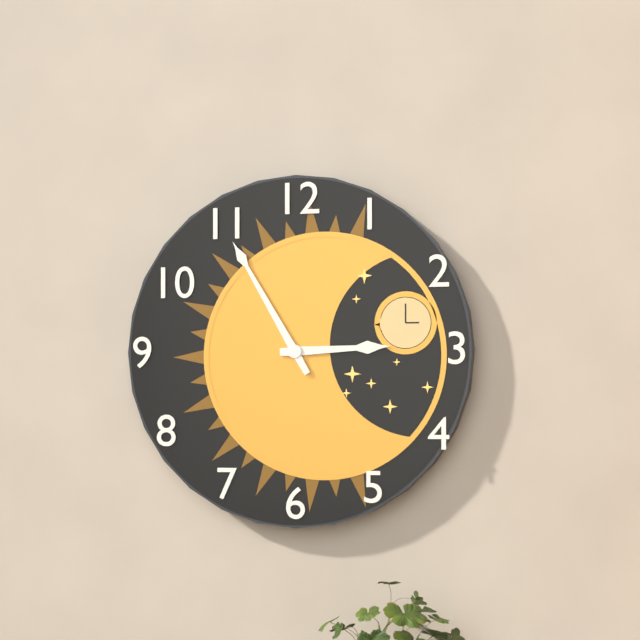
2 h 55 min
